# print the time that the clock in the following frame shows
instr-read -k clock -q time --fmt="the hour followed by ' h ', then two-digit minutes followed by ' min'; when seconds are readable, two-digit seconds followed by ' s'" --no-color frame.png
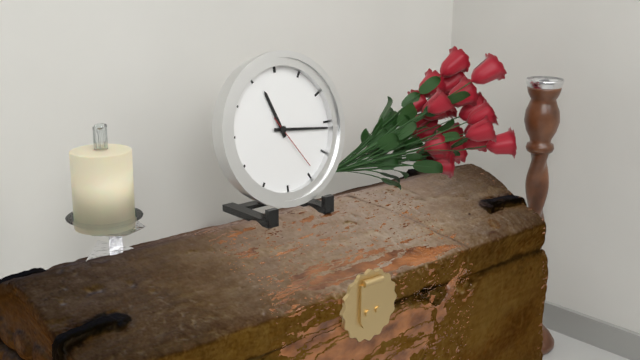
11 h 16 min 24 s
